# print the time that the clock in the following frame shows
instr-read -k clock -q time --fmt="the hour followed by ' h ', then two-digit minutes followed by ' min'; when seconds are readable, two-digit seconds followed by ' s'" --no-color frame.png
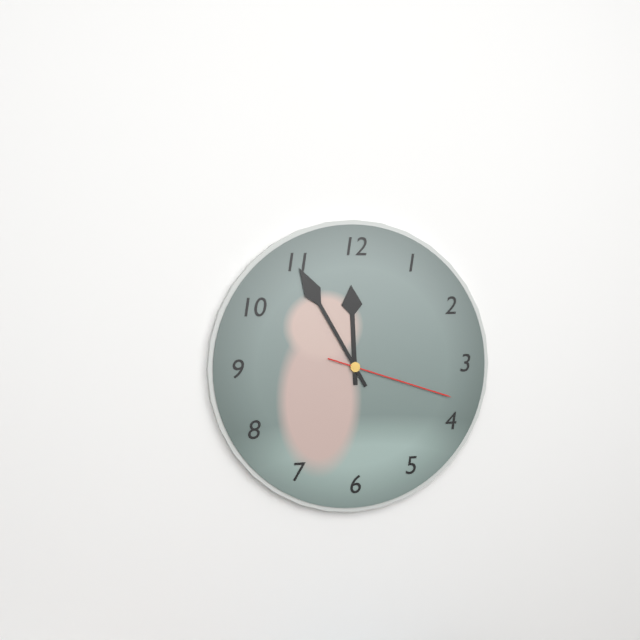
11 h 55 min 18 s
